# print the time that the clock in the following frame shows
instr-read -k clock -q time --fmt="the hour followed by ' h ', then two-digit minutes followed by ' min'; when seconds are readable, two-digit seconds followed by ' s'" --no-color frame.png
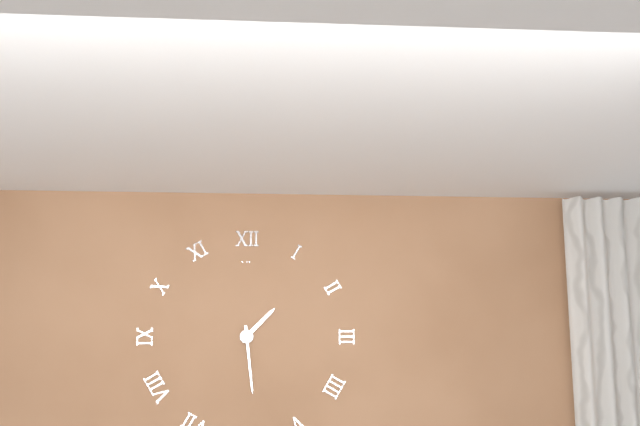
1 h 29 min
